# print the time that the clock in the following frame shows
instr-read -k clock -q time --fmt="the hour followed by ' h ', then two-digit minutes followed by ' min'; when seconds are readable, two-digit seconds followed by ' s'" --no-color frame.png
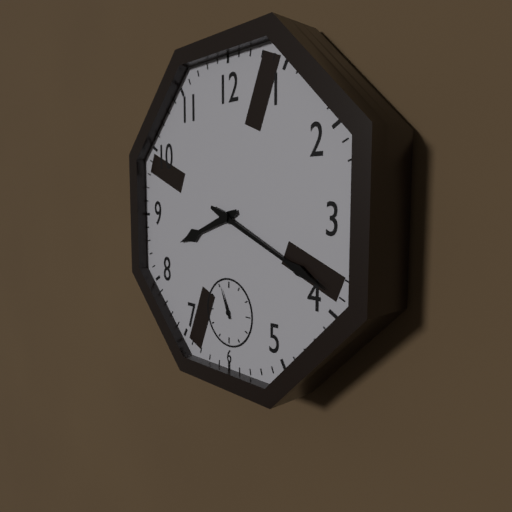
8 h 19 min
